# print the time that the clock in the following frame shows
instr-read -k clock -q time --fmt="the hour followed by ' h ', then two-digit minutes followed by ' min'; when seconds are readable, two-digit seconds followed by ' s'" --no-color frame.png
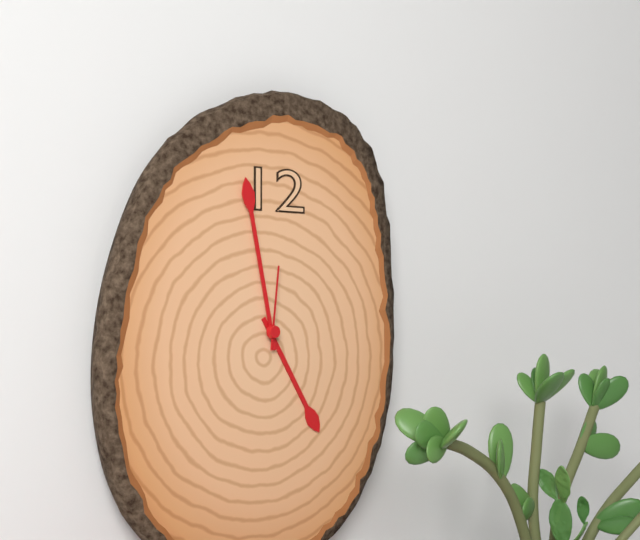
4 h 58 min 01 s
